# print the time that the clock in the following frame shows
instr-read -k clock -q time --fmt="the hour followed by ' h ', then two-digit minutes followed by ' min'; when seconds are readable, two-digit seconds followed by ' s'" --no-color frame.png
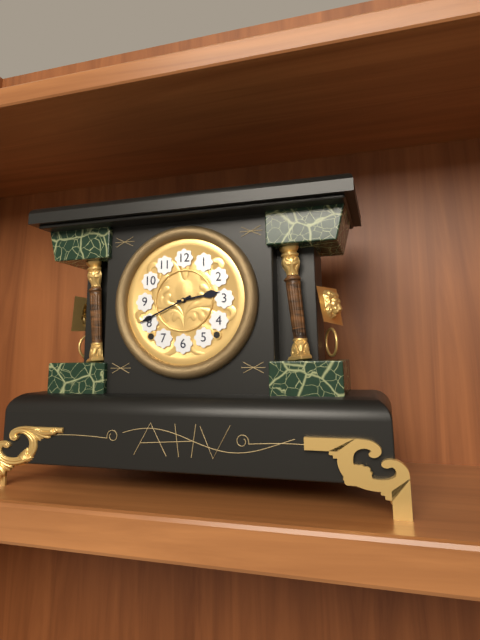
2 h 41 min
